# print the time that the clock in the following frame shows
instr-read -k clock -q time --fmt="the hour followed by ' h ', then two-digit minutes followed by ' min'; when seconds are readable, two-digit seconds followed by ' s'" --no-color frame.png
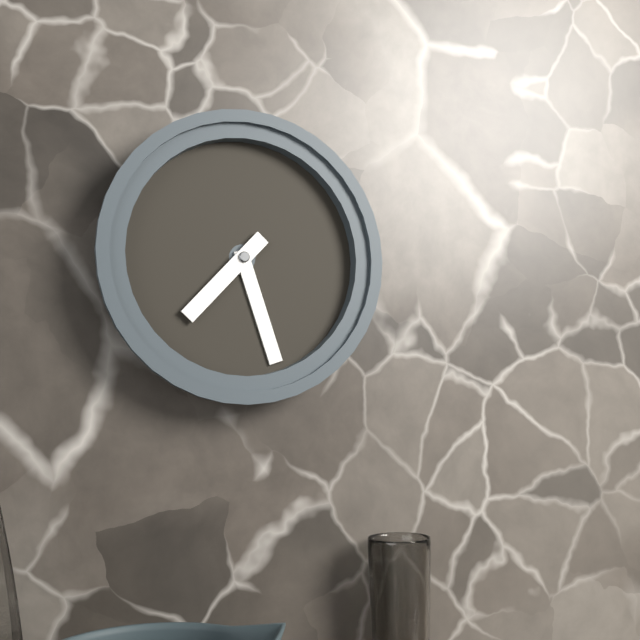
7 h 27 min
